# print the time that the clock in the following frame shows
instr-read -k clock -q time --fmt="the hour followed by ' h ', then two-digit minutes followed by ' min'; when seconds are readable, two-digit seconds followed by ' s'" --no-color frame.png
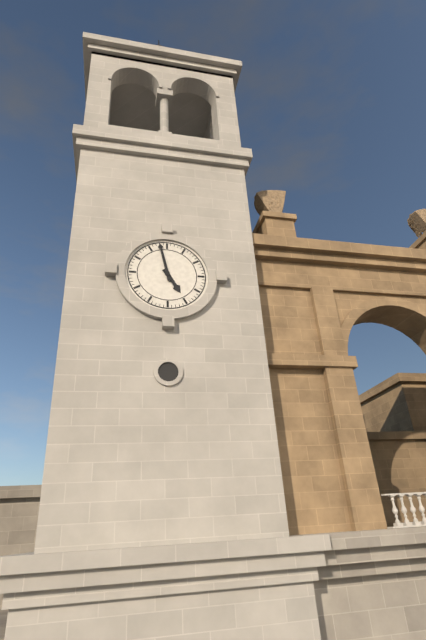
4 h 58 min
